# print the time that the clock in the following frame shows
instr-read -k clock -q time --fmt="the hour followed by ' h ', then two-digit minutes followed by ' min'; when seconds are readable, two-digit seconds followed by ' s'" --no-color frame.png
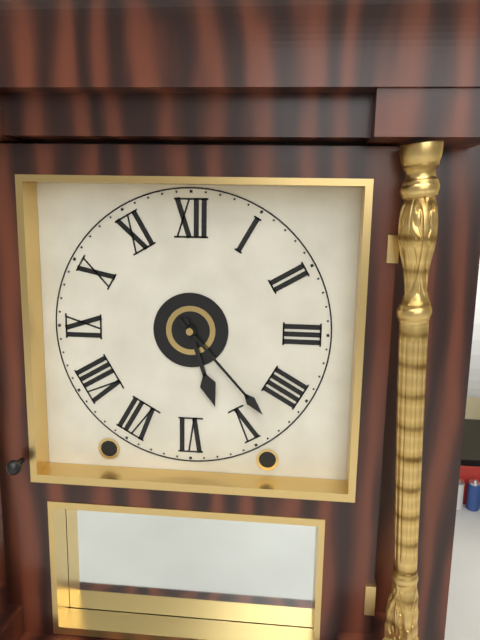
5 h 23 min
